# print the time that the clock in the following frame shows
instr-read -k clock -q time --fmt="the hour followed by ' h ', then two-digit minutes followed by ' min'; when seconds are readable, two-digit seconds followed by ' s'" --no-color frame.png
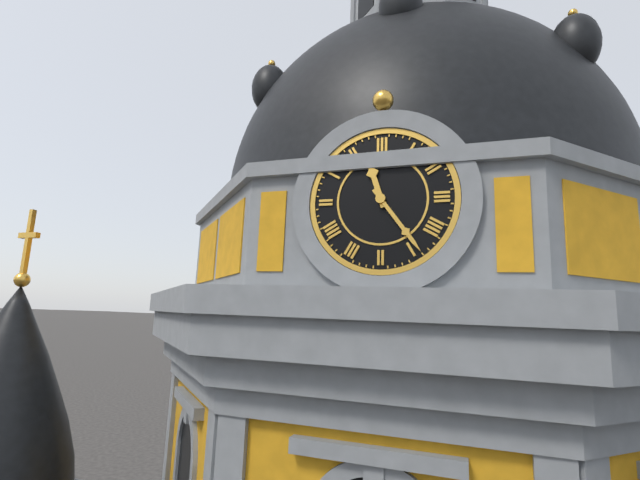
11 h 24 min
